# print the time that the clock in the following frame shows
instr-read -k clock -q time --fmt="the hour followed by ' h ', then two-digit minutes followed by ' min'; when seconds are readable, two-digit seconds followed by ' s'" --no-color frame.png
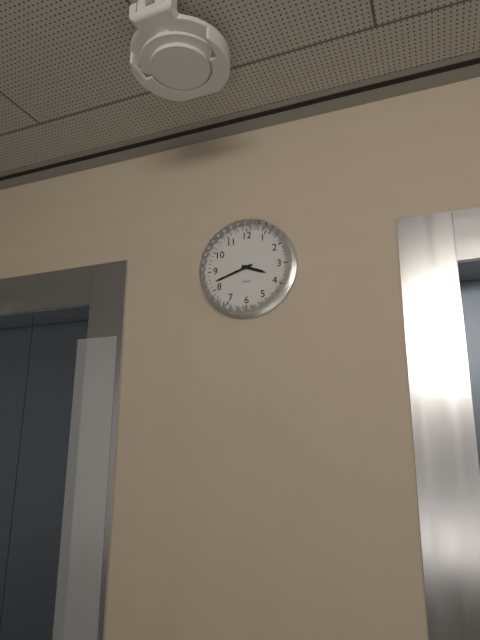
3 h 42 min
